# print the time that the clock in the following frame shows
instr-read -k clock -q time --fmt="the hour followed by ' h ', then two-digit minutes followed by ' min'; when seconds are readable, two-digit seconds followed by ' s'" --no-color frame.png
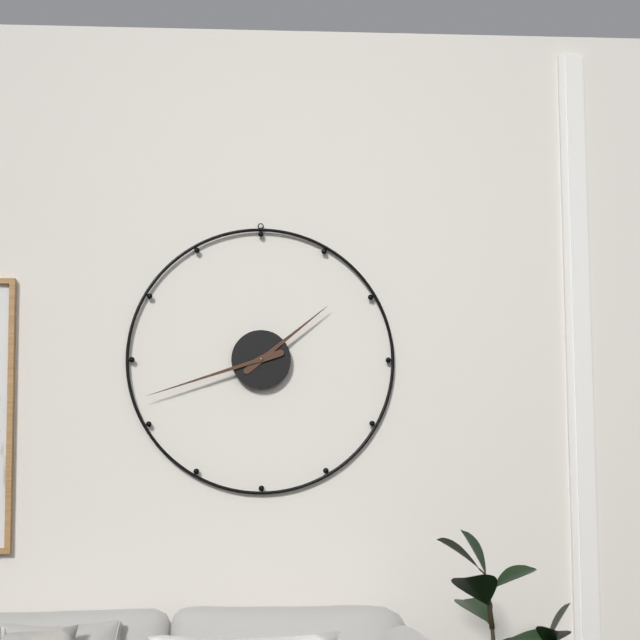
1 h 42 min
